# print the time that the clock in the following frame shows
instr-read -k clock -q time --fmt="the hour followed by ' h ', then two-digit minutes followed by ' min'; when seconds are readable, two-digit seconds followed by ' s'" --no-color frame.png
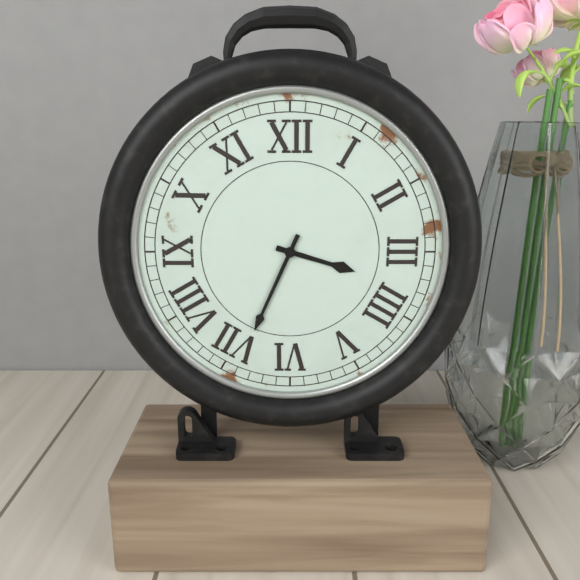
3 h 34 min
